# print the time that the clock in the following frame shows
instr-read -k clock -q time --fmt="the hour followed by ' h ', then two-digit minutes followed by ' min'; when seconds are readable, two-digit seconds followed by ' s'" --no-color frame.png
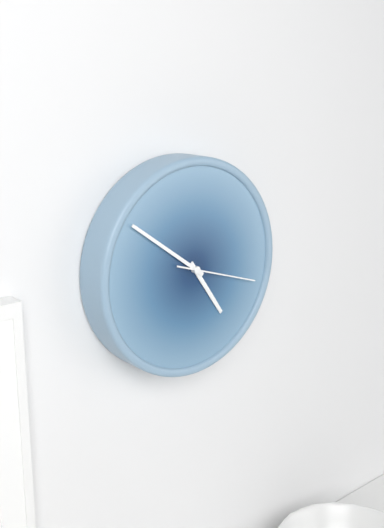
4 h 51 min 18 s
